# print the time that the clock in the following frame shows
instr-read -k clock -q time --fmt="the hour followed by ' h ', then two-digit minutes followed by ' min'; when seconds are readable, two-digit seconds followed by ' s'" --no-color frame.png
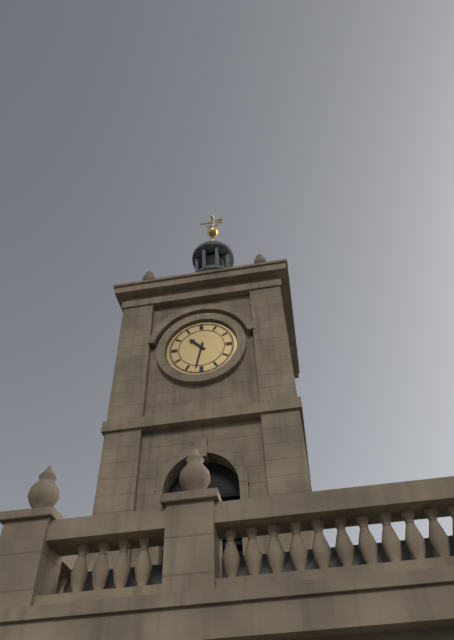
10 h 32 min
